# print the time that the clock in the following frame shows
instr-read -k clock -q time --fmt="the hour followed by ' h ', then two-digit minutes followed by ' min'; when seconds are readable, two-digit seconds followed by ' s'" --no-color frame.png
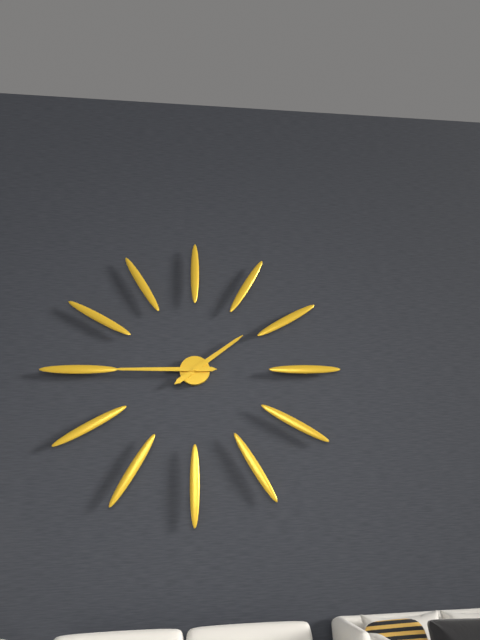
1 h 45 min
